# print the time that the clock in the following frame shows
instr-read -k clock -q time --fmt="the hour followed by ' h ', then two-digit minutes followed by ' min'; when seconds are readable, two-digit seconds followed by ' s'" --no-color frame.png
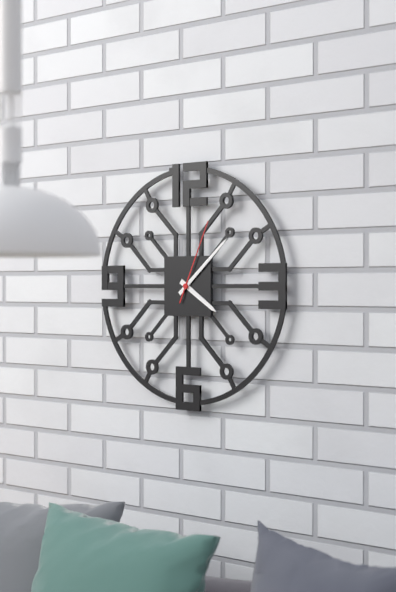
4 h 08 min 04 s
